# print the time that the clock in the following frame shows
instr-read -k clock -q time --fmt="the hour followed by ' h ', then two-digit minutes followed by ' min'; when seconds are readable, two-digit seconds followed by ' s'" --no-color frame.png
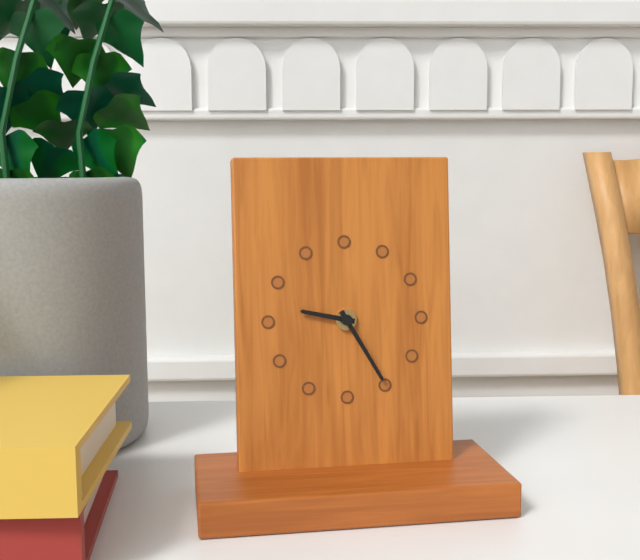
9 h 25 min
